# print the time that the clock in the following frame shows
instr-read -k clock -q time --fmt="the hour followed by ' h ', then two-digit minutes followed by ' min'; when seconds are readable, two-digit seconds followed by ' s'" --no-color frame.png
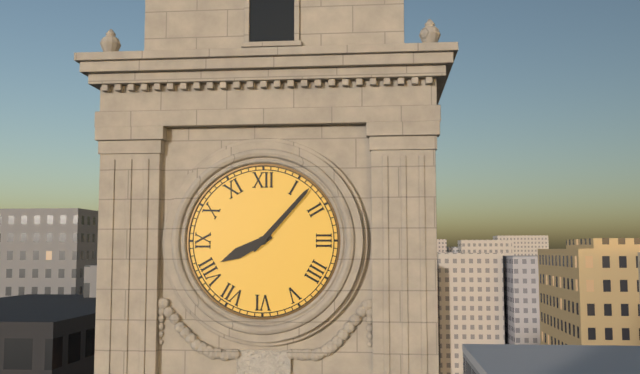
8 h 07 min
